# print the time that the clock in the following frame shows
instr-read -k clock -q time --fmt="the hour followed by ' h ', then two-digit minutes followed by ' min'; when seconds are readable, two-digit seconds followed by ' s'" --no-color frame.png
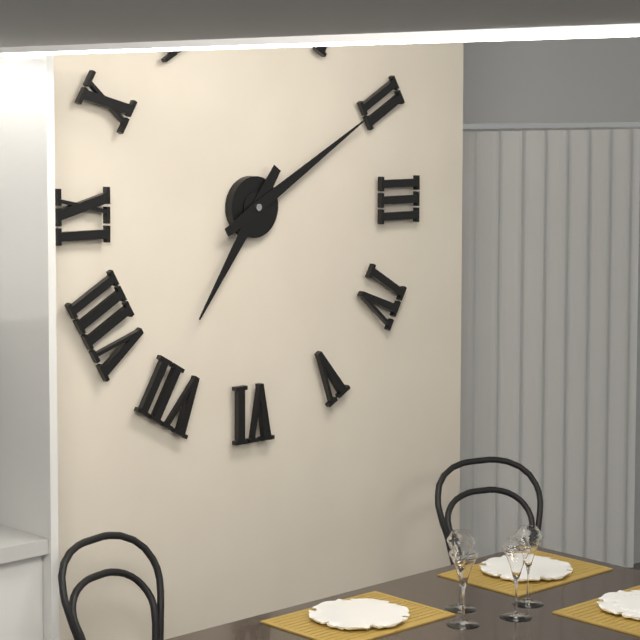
7 h 10 min
